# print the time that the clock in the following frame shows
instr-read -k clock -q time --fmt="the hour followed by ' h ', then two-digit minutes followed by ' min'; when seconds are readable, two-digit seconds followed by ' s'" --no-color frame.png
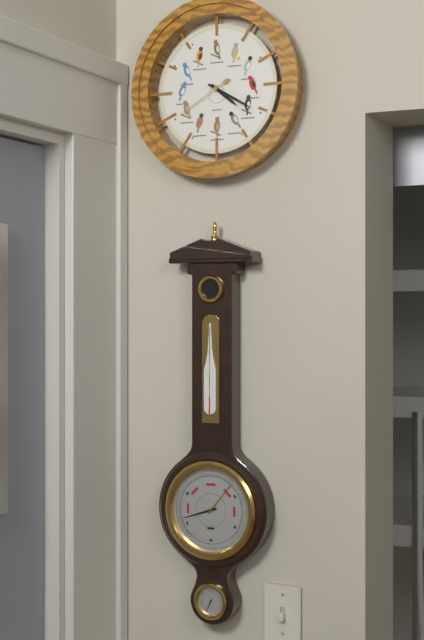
4 h 20 min 40 s
